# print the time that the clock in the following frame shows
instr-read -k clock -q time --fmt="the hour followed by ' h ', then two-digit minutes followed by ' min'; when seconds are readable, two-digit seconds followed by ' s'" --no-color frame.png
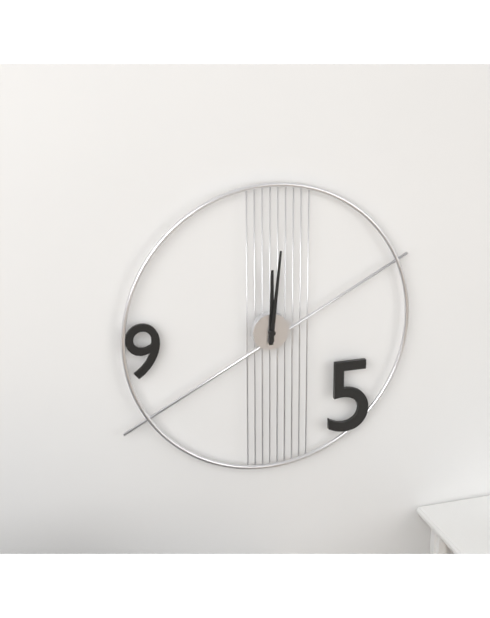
12 h 01 min
